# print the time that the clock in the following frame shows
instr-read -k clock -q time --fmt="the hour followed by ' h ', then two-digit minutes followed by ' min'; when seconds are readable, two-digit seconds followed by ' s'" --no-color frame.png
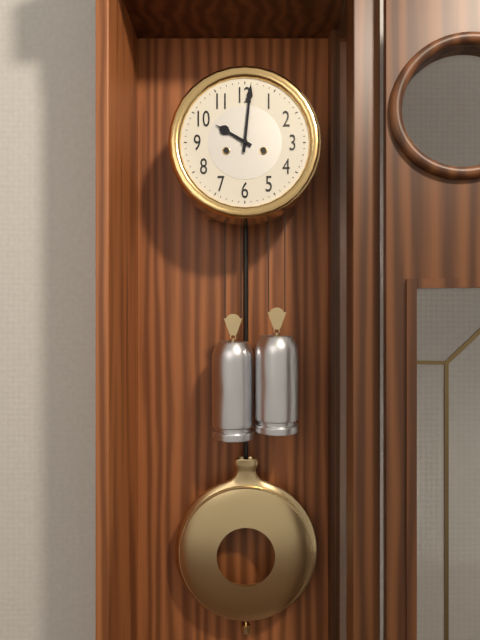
10 h 01 min
